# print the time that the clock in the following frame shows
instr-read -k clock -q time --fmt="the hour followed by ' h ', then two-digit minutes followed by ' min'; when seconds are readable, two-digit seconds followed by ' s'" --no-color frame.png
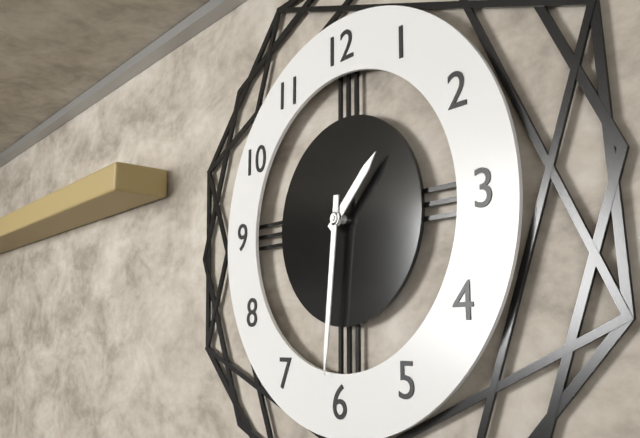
1 h 31 min
